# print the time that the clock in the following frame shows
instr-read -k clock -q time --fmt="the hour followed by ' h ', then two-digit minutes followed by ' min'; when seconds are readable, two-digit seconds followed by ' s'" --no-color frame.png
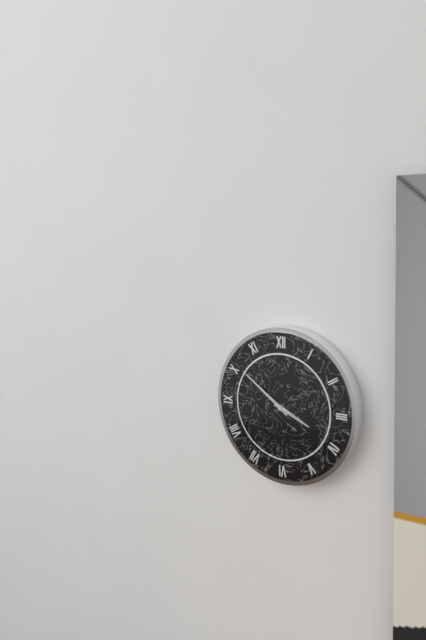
3 h 51 min
